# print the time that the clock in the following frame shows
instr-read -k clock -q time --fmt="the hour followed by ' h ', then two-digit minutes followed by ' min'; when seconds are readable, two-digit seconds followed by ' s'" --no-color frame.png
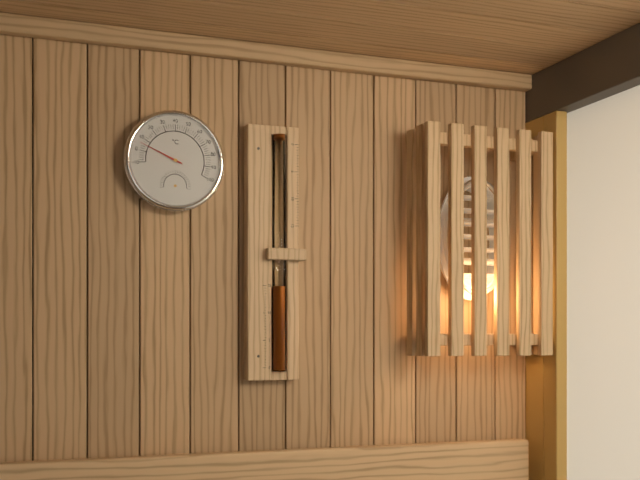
9 h 49 min
